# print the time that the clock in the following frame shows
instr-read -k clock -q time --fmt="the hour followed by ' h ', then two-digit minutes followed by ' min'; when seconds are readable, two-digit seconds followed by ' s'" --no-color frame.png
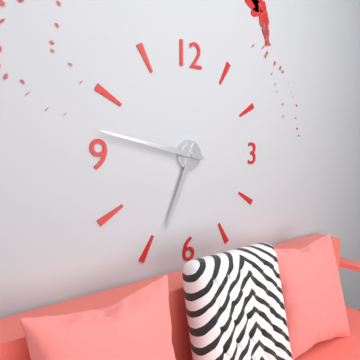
6 h 47 min
